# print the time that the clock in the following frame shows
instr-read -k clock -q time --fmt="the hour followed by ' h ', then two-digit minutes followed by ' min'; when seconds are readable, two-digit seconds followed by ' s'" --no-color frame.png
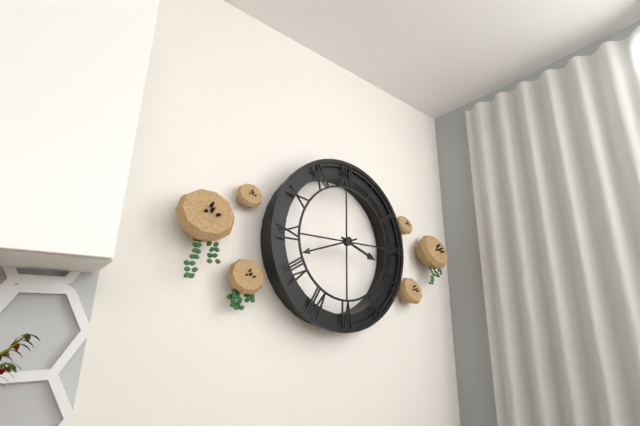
3 h 42 min
